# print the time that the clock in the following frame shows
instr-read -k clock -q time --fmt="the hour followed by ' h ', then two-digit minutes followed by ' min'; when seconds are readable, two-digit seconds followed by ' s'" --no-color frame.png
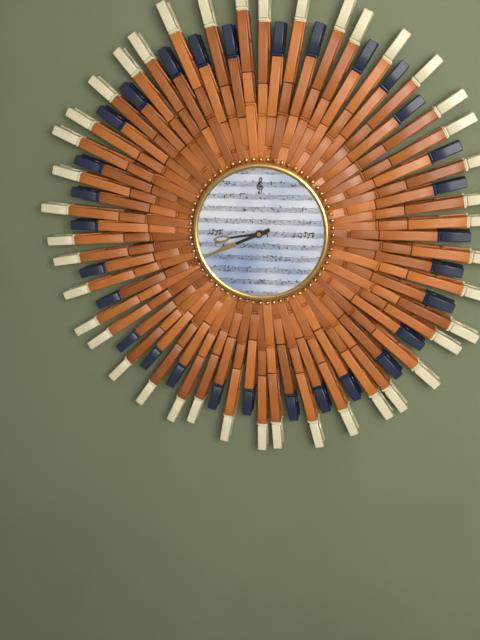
8 h 41 min
